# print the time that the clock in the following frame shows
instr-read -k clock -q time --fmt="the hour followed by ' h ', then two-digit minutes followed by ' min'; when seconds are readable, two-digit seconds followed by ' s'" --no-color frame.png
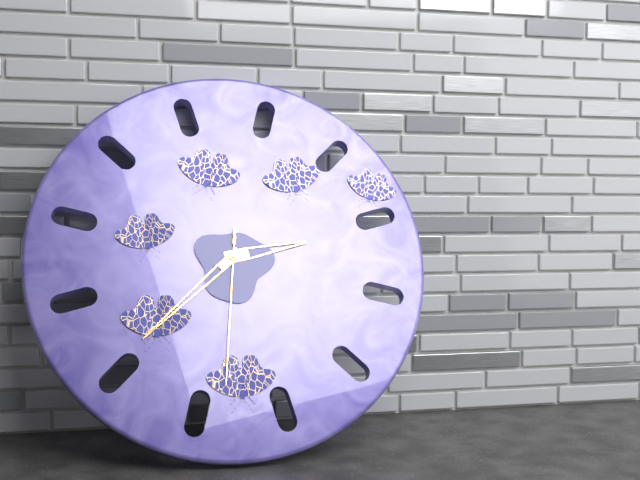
2 h 38 min 31 s
